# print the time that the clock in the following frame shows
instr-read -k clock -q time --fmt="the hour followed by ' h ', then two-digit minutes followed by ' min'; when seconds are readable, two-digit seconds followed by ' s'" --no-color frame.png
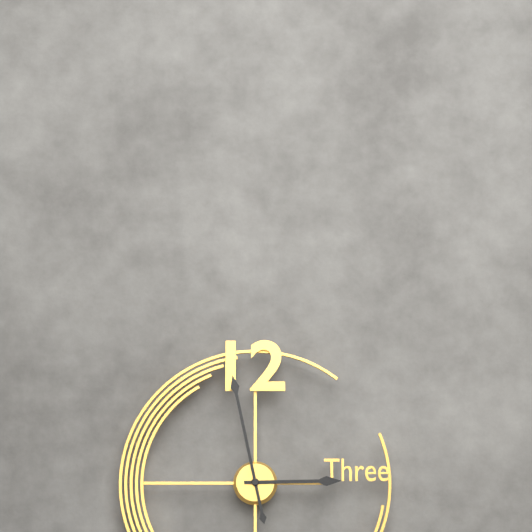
2 h 58 min
